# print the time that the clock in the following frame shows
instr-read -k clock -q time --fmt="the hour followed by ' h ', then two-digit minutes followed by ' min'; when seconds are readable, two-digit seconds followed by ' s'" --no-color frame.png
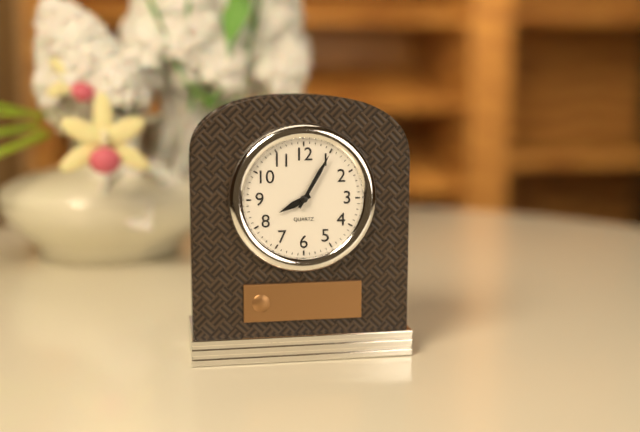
8 h 05 min
